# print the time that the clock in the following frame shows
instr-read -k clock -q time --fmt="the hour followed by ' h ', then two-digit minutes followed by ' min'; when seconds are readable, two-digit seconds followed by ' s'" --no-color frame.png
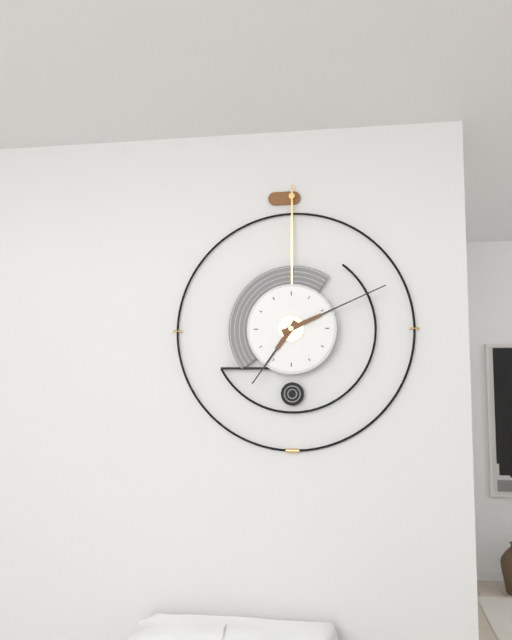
7 h 11 min
